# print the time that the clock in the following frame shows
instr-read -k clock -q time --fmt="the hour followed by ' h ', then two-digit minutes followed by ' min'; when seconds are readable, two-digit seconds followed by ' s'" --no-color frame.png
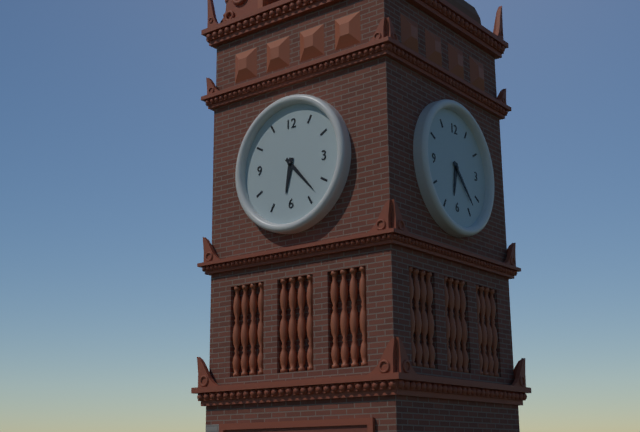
6 h 23 min
